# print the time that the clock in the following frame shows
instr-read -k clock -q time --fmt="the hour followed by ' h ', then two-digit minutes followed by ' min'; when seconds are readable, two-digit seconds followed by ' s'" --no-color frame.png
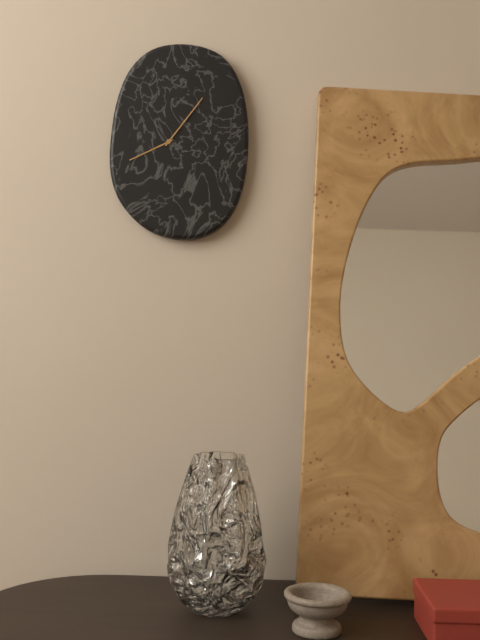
8 h 06 min
